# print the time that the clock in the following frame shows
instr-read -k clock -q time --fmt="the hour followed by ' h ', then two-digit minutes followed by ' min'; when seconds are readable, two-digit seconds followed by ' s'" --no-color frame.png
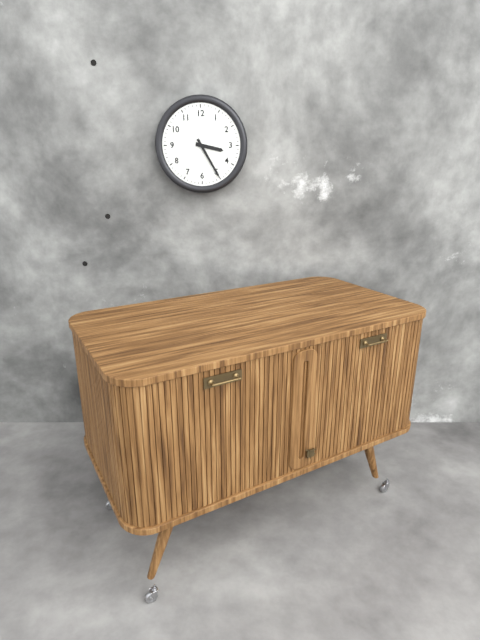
3 h 25 min
